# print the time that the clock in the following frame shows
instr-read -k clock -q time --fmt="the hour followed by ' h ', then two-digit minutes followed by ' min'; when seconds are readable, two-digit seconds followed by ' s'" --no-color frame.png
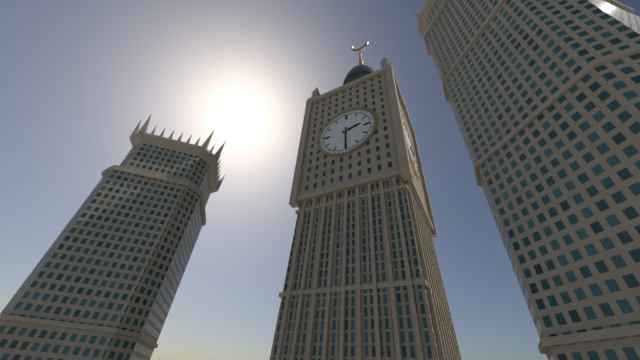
2 h 30 min
